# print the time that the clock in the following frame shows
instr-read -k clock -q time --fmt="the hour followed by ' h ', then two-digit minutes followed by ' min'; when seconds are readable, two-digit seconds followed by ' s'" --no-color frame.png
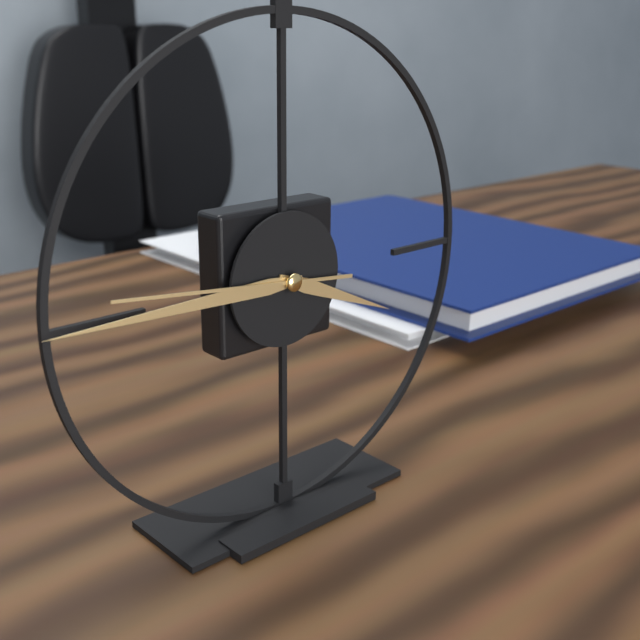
3 h 45 min 46 s
